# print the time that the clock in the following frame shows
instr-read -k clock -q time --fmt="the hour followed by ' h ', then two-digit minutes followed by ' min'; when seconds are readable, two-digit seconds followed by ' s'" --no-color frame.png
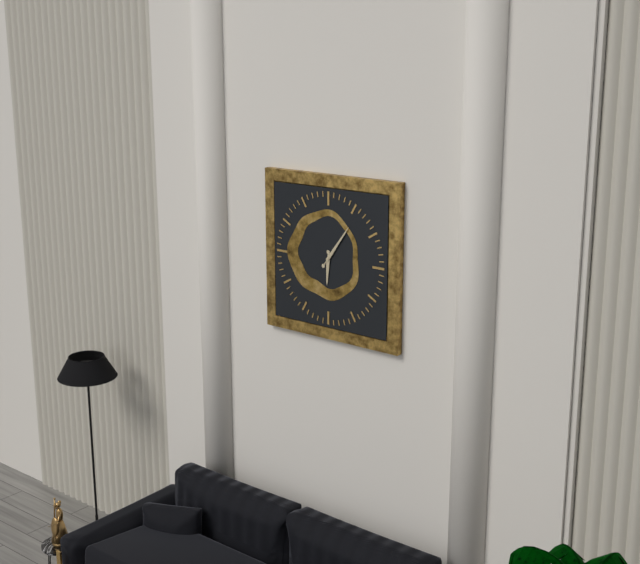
6 h 06 min
